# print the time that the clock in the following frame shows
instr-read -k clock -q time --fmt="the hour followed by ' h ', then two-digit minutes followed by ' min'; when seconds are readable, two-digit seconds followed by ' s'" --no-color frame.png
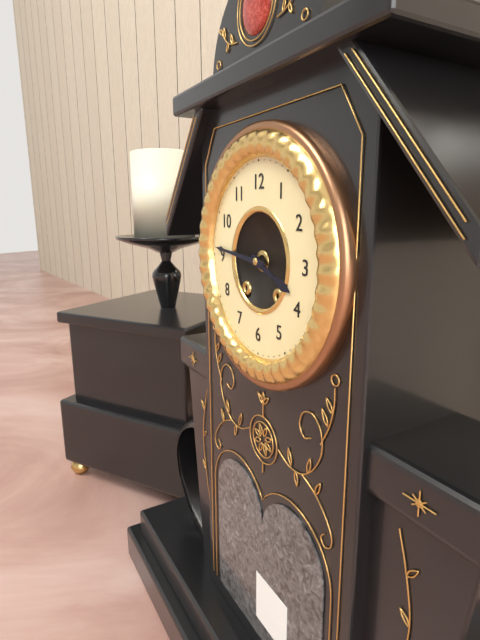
3 h 46 min
